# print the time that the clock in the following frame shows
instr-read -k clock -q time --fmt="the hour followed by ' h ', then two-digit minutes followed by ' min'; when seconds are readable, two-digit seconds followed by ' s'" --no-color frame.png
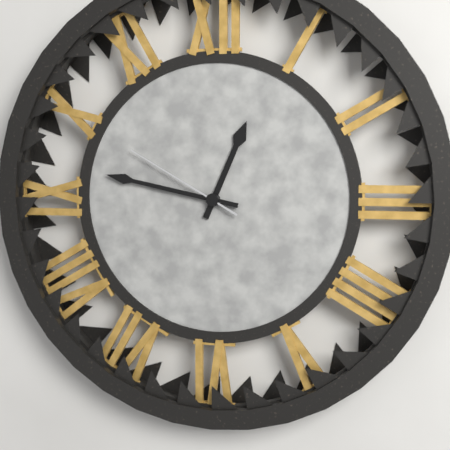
12 h 47 min 50 s
